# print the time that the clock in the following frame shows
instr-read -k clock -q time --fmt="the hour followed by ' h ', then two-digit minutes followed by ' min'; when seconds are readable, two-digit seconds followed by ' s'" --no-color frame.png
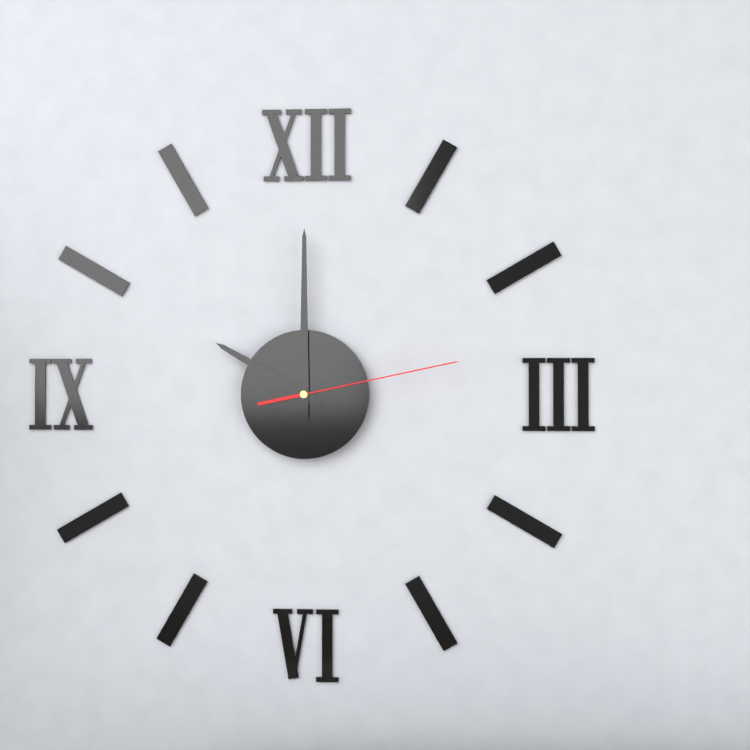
10 h 00 min 13 s
